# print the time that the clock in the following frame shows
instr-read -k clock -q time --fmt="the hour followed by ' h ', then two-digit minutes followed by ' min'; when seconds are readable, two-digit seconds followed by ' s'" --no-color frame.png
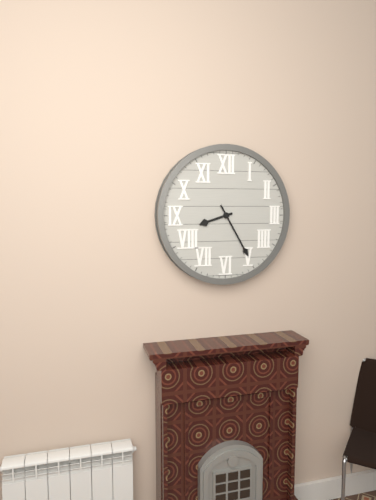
8 h 25 min
